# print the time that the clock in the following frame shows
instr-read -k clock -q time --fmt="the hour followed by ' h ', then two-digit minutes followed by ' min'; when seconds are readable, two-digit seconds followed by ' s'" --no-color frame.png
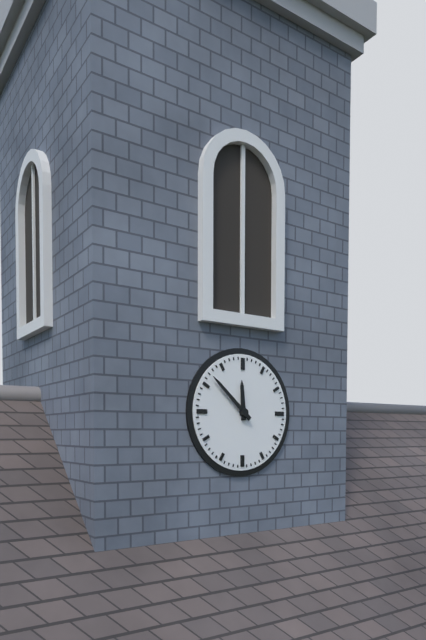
11 h 52 min
